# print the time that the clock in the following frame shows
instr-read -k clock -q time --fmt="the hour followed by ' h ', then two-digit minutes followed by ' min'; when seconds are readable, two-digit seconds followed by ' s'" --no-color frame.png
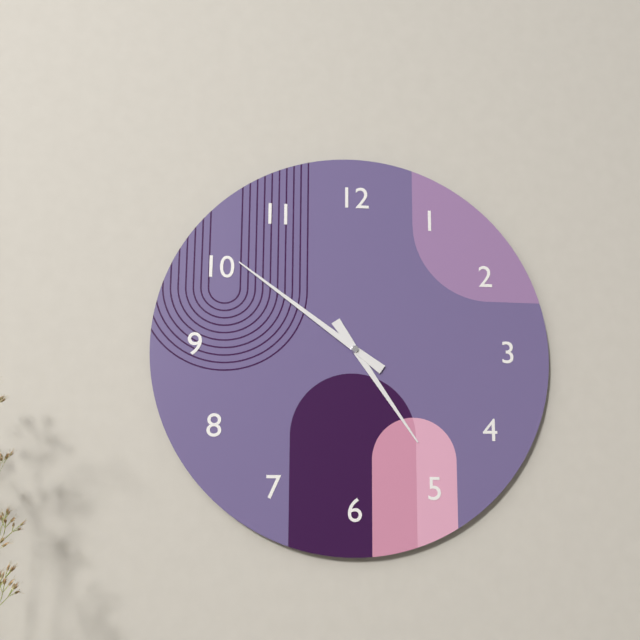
4 h 51 min
